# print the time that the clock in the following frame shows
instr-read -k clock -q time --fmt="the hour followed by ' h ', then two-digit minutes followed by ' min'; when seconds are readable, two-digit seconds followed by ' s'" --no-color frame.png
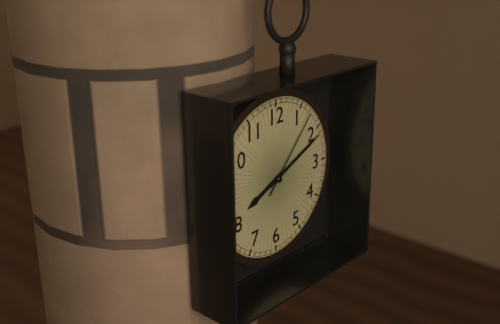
8 h 11 min 07 s
